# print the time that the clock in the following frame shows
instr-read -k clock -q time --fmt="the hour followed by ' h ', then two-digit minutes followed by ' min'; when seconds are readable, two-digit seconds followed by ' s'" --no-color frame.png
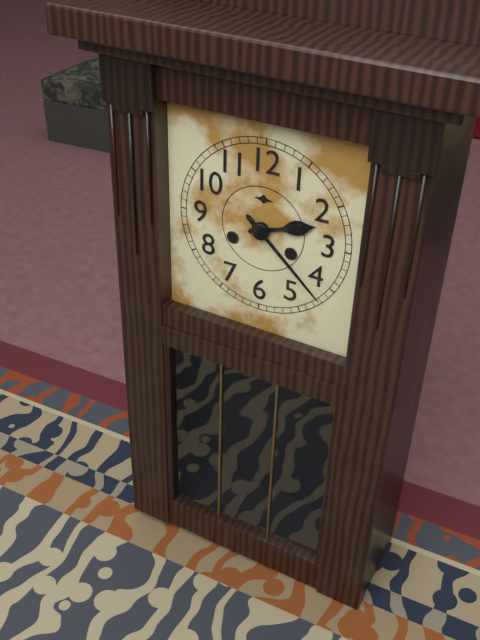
2 h 22 min
